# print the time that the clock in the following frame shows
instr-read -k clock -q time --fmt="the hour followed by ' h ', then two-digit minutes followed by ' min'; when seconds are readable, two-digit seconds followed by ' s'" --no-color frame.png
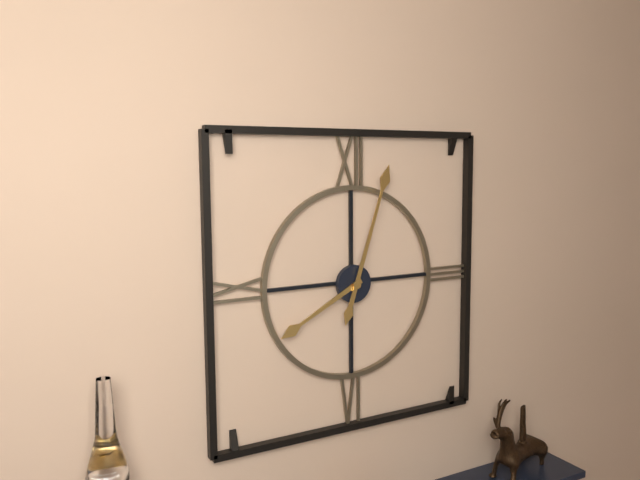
8 h 03 min
